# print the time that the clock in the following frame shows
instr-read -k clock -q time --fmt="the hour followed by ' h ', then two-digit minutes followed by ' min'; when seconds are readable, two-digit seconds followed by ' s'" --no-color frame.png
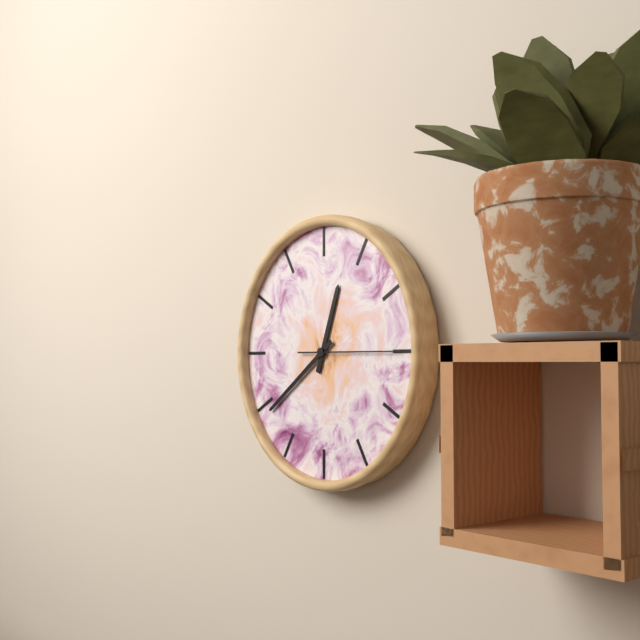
12 h 39 min 15 s
